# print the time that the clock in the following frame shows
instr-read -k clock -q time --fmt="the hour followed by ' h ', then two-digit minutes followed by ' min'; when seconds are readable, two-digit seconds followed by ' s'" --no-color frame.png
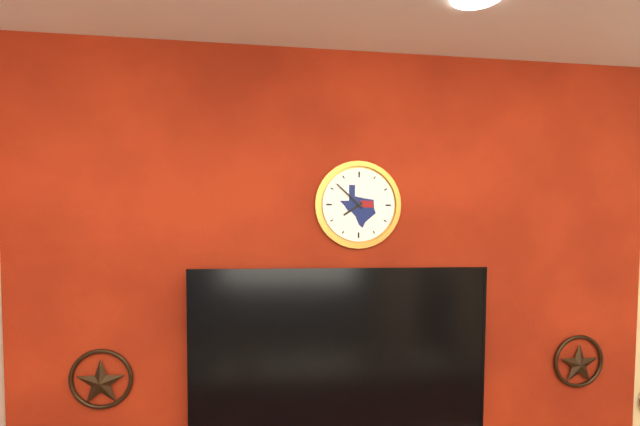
7 h 52 min
